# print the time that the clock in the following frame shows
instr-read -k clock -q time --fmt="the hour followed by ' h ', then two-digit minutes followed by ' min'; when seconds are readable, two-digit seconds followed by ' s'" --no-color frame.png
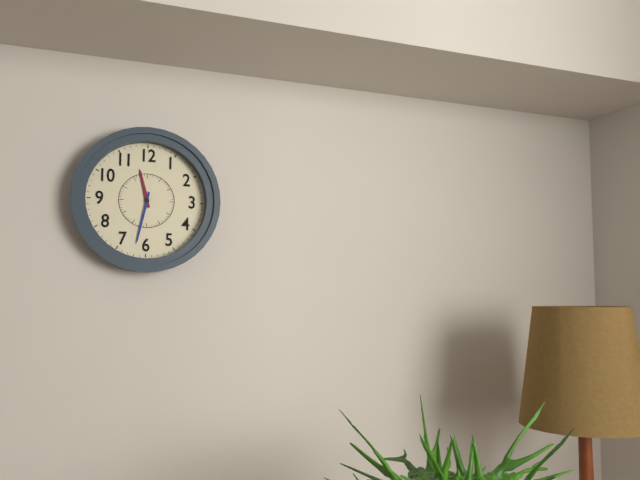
11 h 32 min
